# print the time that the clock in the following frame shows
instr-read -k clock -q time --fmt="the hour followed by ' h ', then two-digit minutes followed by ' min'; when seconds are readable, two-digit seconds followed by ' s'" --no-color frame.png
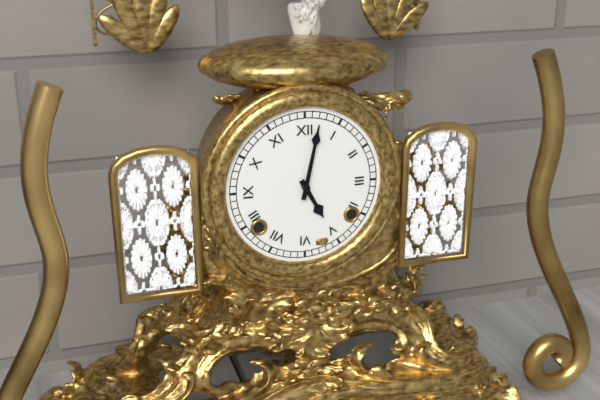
5 h 02 min
